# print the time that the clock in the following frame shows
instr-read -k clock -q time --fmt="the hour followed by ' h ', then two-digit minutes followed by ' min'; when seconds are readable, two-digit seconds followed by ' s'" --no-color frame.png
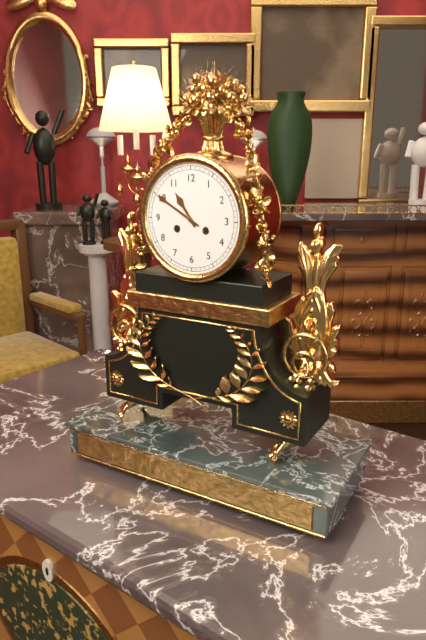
10 h 50 min
